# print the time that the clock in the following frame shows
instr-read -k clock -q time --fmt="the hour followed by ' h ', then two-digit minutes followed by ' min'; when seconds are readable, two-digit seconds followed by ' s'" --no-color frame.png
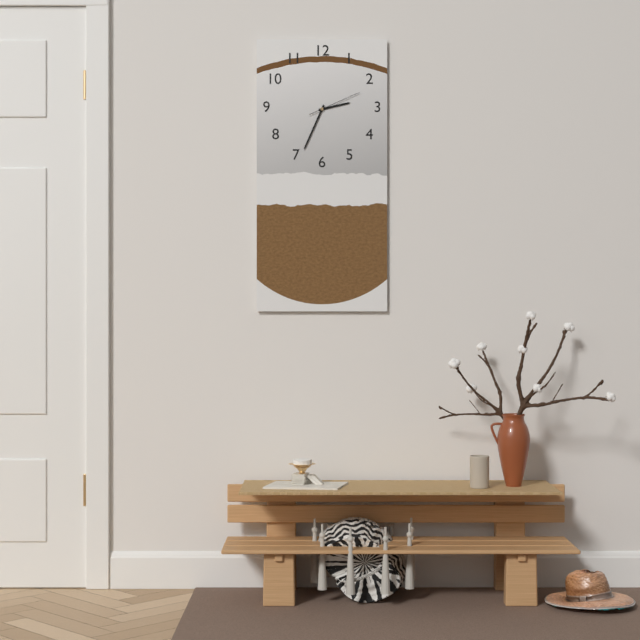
2 h 34 min 11 s
